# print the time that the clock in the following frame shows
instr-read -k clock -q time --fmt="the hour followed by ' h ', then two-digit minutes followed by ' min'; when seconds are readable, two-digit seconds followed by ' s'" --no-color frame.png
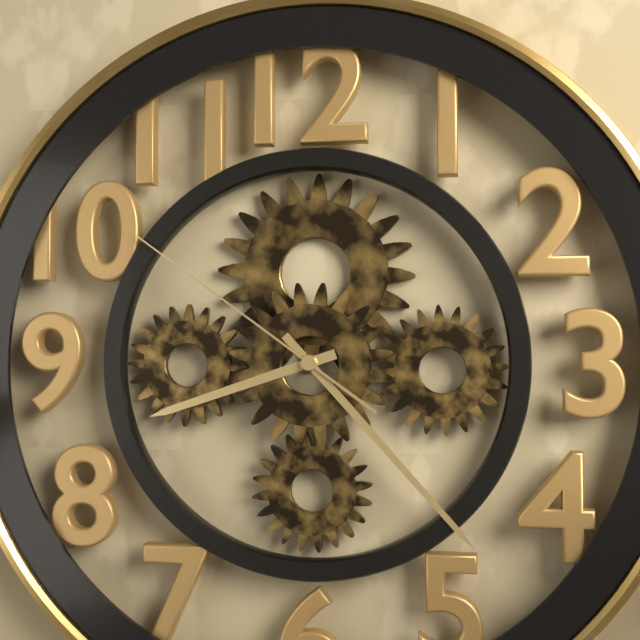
8 h 23 min 51 s
